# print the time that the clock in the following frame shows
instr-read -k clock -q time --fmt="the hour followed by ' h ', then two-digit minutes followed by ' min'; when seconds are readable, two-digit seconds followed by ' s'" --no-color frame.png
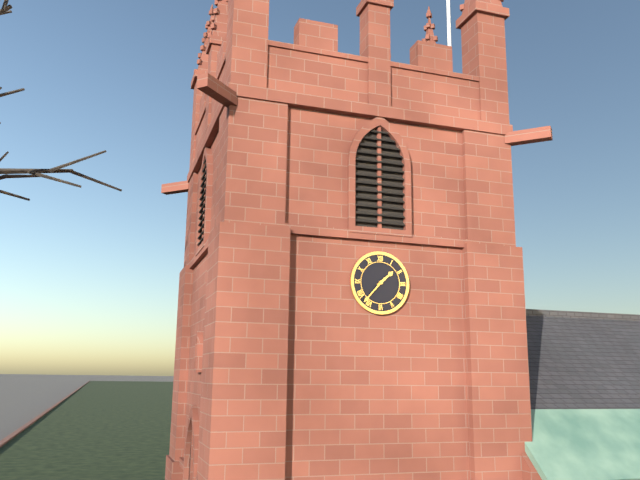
1 h 37 min
